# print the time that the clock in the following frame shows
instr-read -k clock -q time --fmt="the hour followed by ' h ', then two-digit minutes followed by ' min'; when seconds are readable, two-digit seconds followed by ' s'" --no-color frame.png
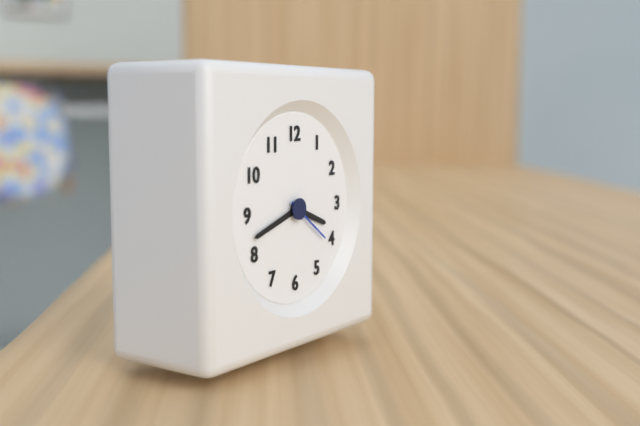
3 h 42 min 21 s
